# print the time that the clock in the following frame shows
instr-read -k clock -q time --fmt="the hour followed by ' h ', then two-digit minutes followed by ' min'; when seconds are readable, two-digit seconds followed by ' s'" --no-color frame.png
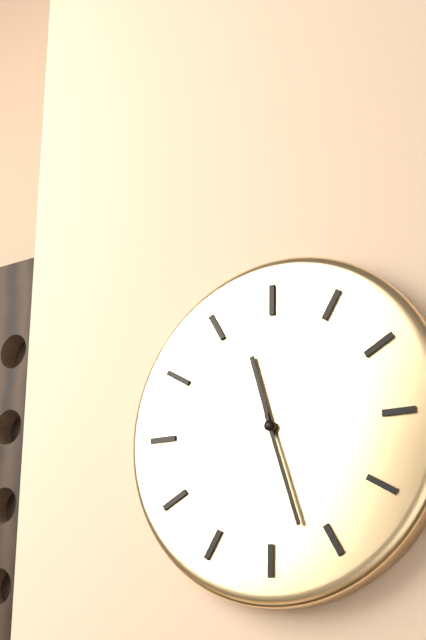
11 h 27 min
